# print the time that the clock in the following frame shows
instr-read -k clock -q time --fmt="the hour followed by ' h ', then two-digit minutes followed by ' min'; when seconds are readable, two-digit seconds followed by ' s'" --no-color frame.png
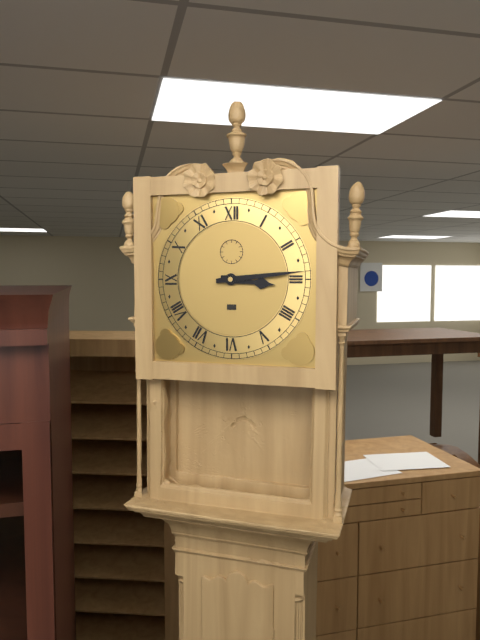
3 h 14 min
